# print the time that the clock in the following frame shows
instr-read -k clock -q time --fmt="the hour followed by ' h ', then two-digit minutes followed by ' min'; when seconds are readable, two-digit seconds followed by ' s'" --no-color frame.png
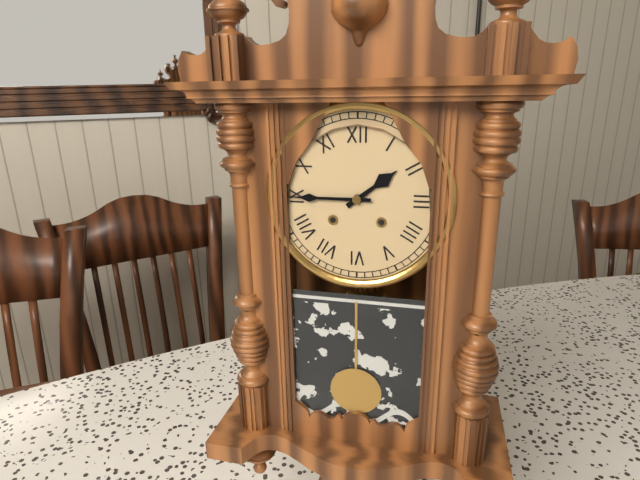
1 h 45 min
